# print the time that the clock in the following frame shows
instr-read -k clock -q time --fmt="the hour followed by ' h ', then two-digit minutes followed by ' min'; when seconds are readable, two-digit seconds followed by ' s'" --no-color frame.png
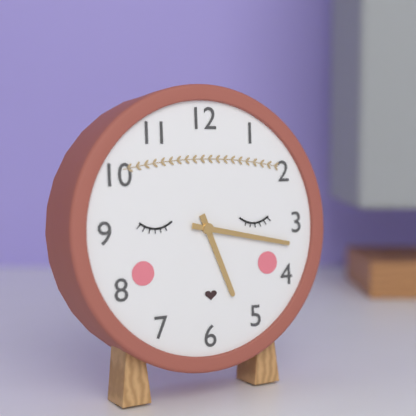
5 h 17 min
